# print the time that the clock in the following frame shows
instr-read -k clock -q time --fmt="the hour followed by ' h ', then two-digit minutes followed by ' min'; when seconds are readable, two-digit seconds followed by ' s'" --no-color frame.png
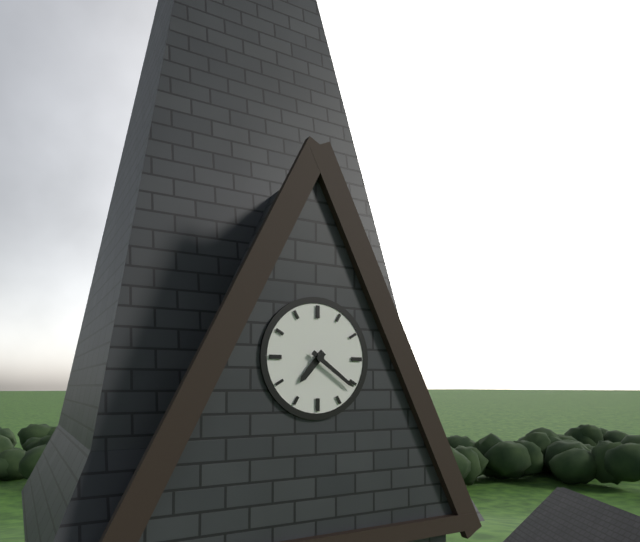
7 h 21 min
